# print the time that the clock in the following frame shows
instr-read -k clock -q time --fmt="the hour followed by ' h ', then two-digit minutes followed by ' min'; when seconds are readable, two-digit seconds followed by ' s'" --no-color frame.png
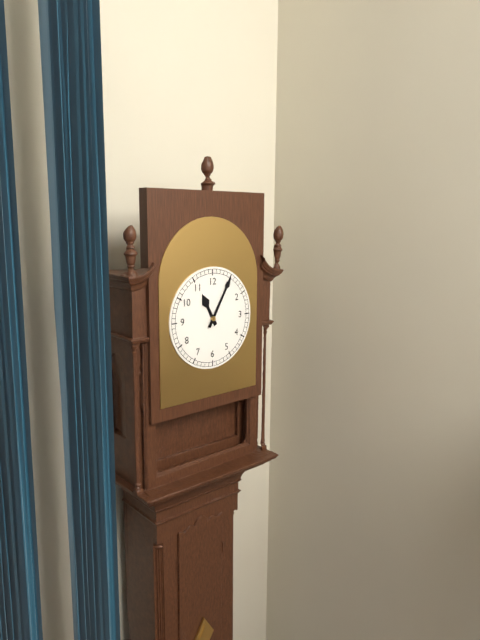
11 h 05 min
